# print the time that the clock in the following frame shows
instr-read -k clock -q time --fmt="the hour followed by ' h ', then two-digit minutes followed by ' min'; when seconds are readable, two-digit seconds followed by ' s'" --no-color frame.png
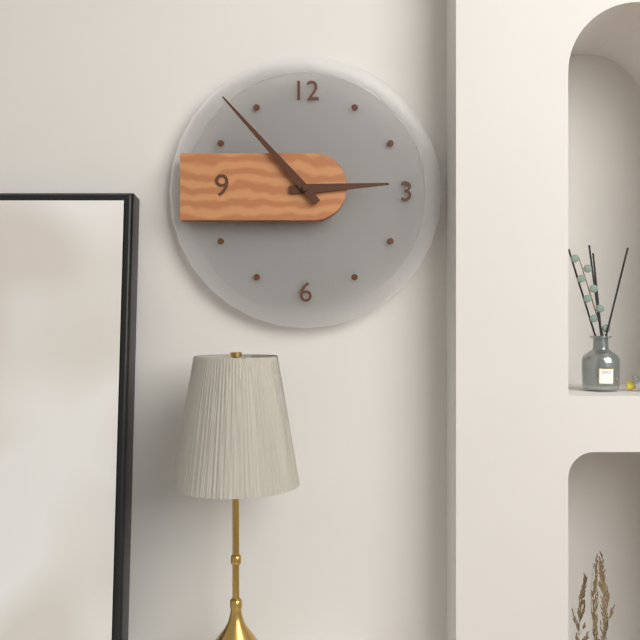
2 h 53 min
